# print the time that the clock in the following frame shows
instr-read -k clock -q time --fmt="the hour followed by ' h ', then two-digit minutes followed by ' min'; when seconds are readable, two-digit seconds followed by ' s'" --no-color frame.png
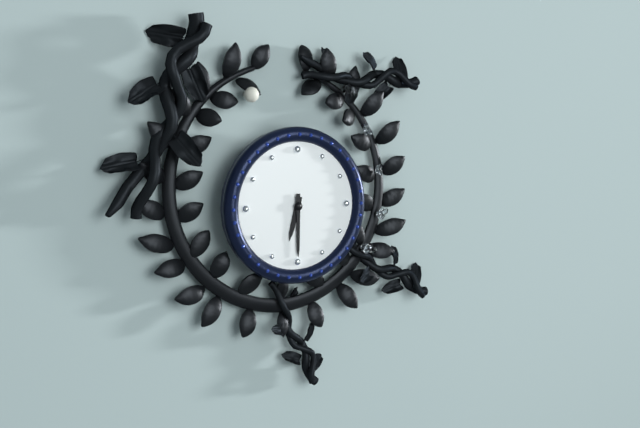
6 h 30 min
